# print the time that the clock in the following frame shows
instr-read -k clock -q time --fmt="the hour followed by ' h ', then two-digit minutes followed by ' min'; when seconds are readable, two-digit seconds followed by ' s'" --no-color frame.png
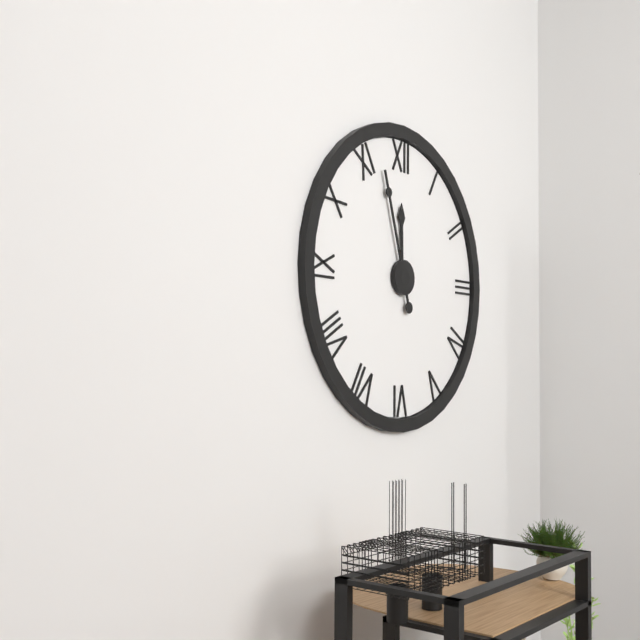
11 h 57 min
